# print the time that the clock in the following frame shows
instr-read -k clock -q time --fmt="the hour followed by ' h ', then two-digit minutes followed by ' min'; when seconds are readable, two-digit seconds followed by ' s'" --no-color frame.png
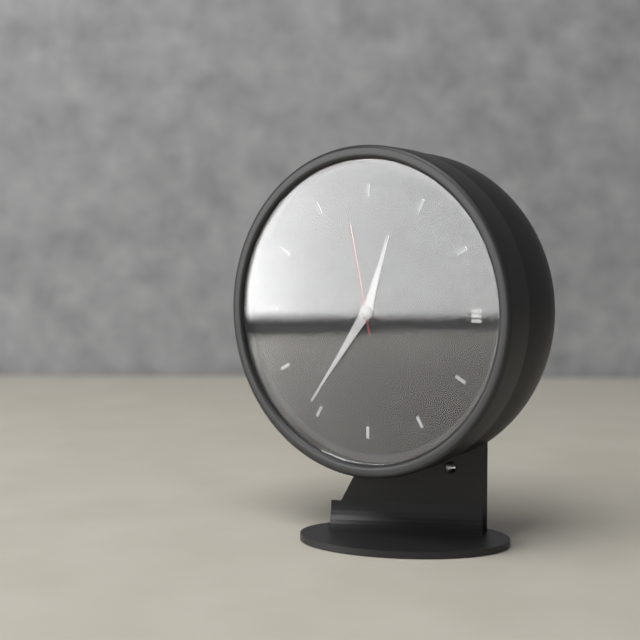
12 h 36 min 58 s
